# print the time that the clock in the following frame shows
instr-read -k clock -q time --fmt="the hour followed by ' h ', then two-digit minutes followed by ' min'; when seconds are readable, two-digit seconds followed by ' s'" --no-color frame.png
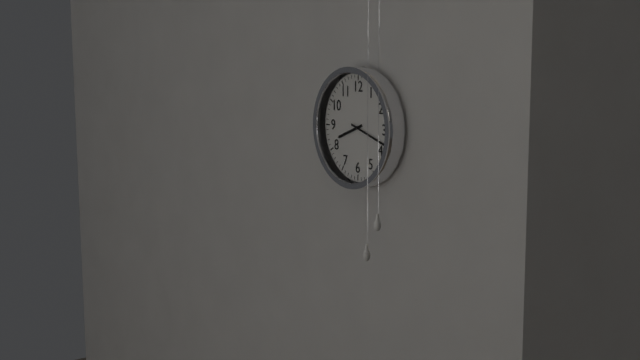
8 h 18 min
